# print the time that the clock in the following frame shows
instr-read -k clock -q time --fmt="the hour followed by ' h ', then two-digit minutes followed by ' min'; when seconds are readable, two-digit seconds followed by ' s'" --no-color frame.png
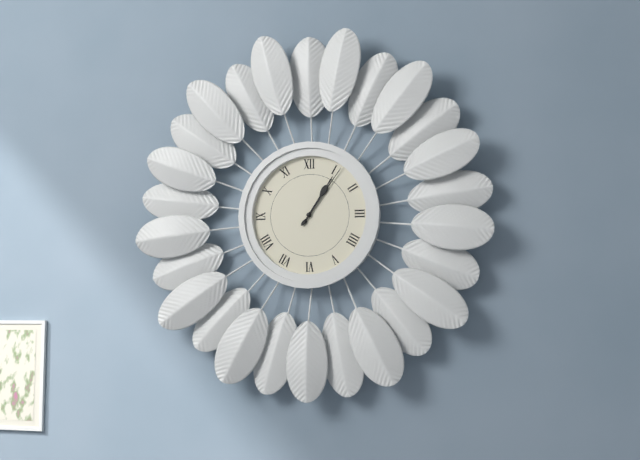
1 h 06 min
